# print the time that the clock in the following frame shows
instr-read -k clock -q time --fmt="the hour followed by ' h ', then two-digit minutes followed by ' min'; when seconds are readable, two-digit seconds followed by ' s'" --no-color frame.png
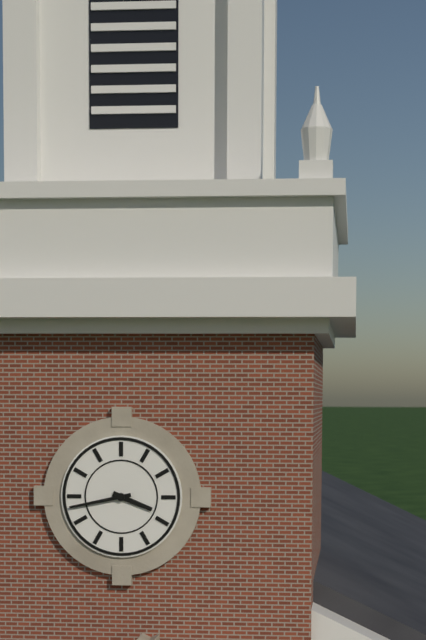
3 h 43 min
